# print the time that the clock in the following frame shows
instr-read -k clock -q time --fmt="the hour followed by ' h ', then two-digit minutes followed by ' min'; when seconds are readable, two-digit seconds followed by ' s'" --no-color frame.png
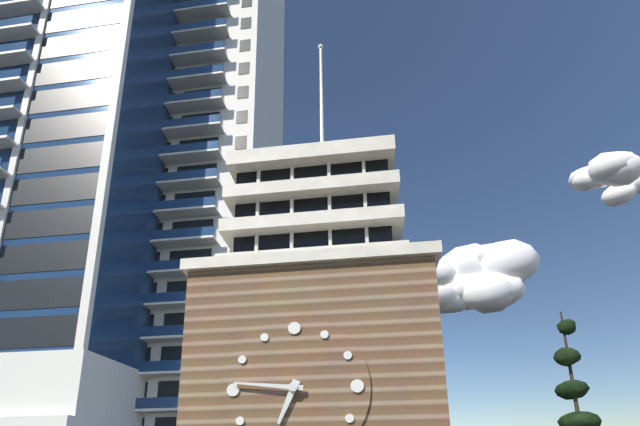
6 h 46 min
